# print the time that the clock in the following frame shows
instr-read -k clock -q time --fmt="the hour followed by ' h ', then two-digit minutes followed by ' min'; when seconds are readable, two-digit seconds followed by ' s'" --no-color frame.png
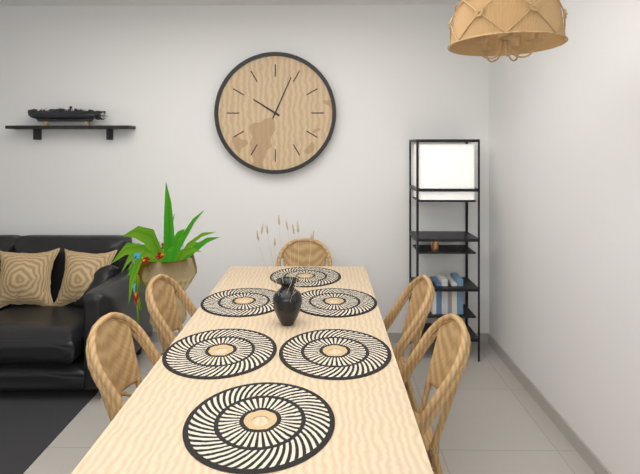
10 h 04 min
